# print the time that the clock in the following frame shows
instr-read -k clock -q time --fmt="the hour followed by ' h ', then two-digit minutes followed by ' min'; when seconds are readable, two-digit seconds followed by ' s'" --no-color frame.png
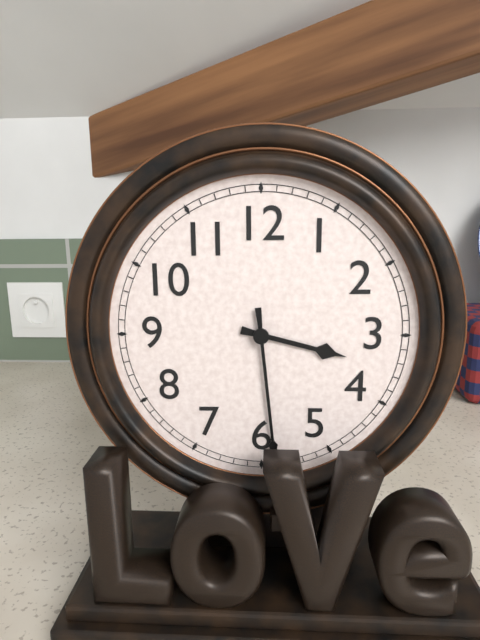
3 h 29 min
